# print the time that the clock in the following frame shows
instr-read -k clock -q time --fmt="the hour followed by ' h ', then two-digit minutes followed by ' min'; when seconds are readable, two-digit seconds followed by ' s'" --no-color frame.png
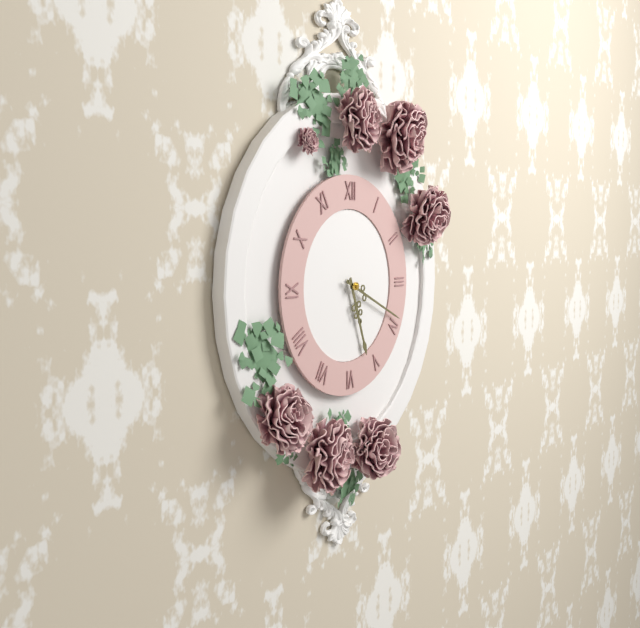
5 h 19 min
